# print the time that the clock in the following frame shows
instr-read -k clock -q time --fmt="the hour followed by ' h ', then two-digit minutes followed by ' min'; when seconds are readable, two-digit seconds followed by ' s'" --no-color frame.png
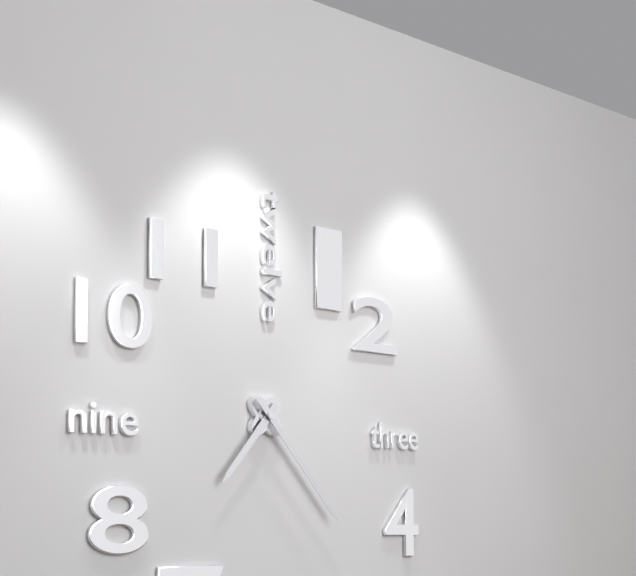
7 h 23 min
